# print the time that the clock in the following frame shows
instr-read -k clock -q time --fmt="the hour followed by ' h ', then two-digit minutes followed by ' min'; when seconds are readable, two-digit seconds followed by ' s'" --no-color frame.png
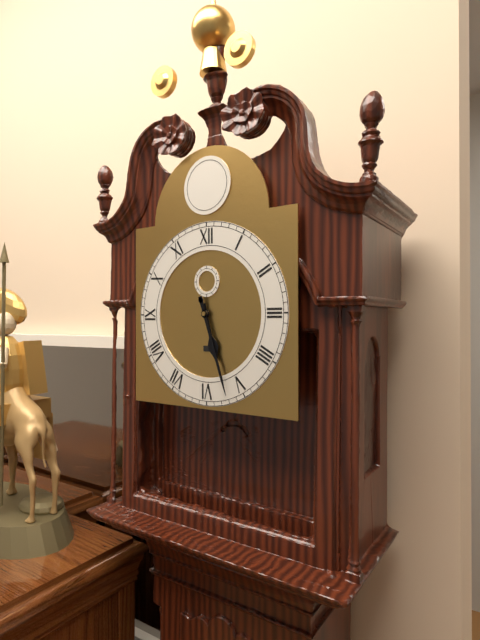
5 h 27 min
